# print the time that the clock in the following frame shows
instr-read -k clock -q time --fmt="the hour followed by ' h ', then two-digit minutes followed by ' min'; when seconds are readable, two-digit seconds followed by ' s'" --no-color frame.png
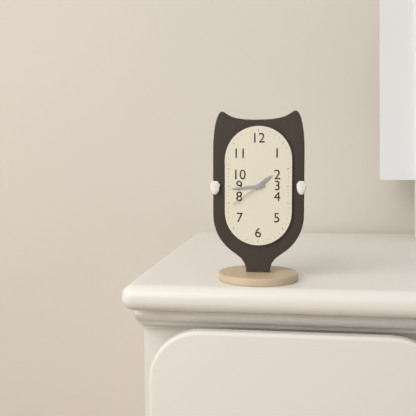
1 h 44 min
